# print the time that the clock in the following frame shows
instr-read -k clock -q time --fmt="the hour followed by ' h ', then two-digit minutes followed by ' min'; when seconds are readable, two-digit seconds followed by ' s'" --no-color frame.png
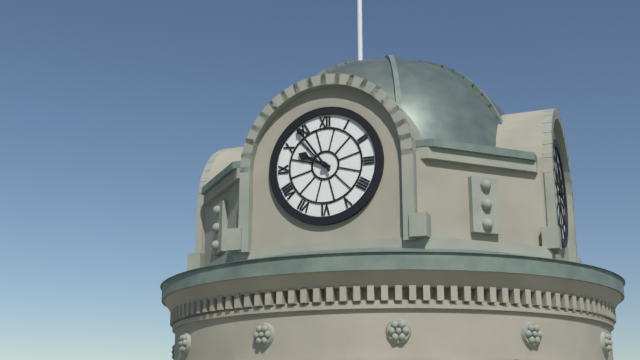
9 h 54 min
